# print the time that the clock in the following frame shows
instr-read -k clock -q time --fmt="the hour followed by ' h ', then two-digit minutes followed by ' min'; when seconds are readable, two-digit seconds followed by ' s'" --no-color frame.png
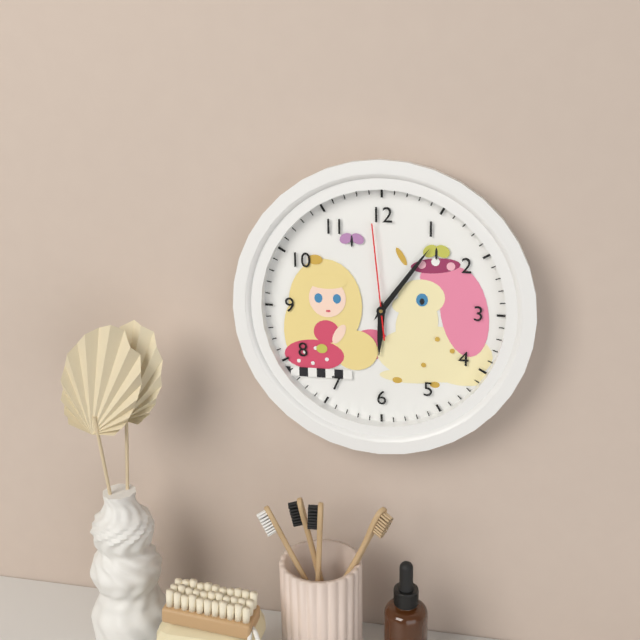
6 h 06 min 59 s
